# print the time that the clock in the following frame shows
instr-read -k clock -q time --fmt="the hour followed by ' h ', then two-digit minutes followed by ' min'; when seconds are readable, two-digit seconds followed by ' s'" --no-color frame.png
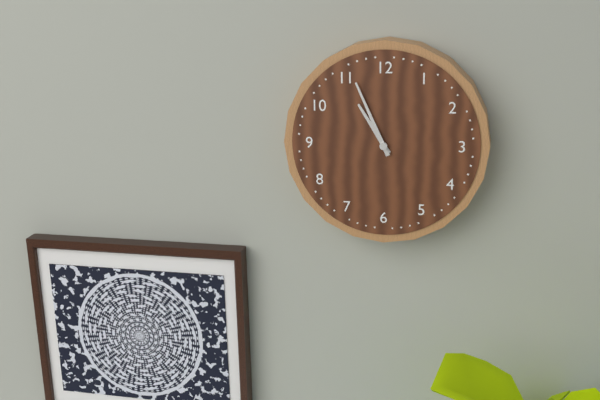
10 h 56 min
